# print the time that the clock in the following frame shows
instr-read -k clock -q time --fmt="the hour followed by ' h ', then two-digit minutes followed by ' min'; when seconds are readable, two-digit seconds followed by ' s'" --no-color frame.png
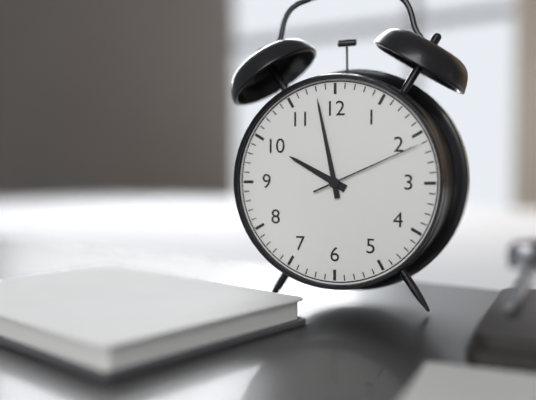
9 h 58 min 11 s
